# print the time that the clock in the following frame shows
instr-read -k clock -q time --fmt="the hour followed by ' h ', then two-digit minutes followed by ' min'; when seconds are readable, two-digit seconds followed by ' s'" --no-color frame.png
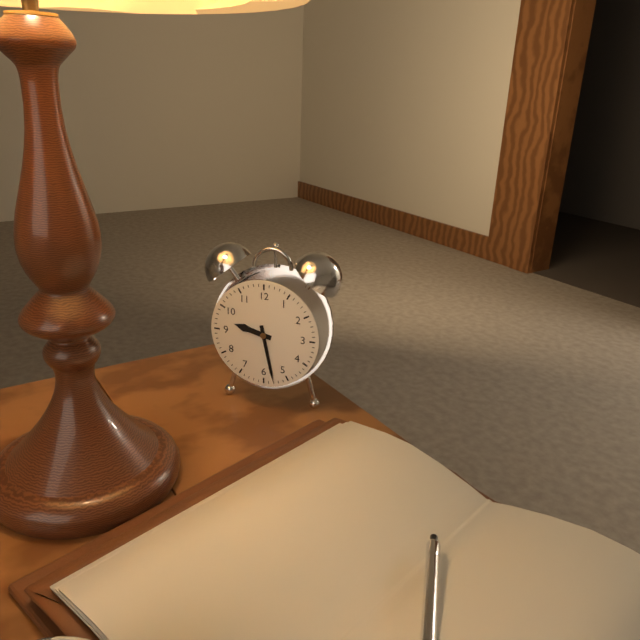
9 h 28 min
